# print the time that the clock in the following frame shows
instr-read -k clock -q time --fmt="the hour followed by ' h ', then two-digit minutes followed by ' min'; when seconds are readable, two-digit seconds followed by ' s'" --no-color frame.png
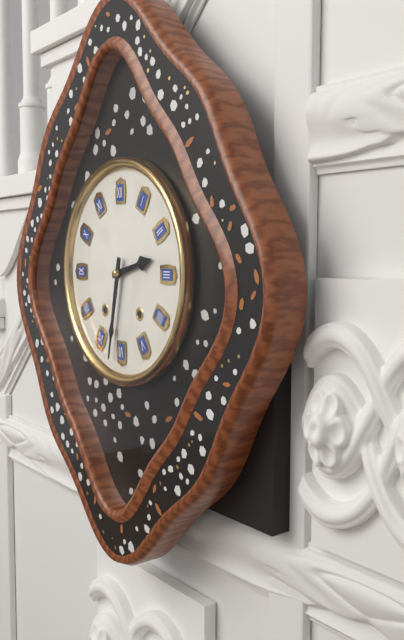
2 h 32 min
